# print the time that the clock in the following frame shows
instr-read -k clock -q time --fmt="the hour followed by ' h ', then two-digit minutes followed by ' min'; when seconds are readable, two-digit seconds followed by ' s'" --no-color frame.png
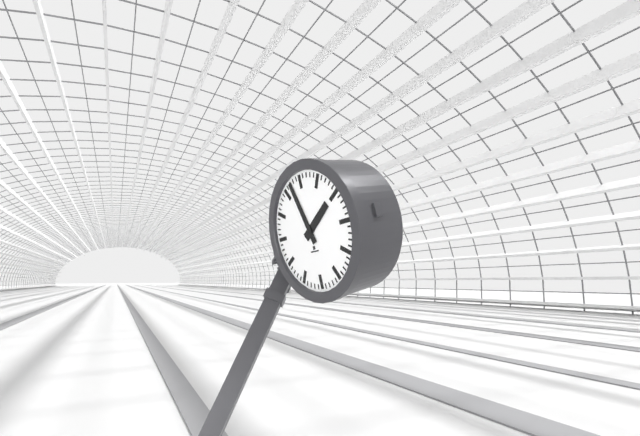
1 h 57 min
